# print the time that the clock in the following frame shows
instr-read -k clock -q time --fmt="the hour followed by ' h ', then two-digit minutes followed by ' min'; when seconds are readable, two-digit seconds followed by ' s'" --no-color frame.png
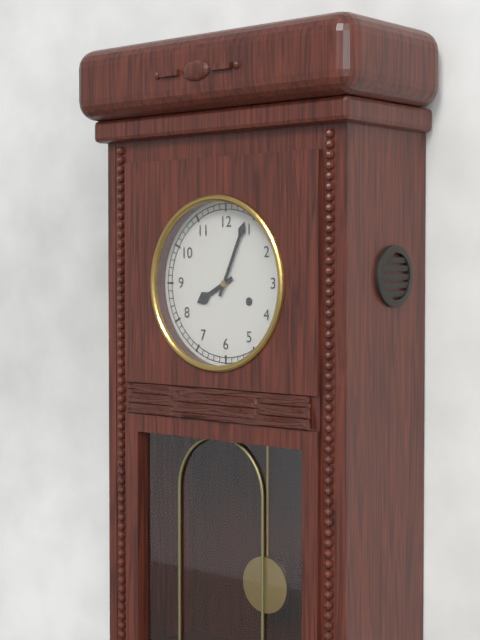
8 h 04 min
